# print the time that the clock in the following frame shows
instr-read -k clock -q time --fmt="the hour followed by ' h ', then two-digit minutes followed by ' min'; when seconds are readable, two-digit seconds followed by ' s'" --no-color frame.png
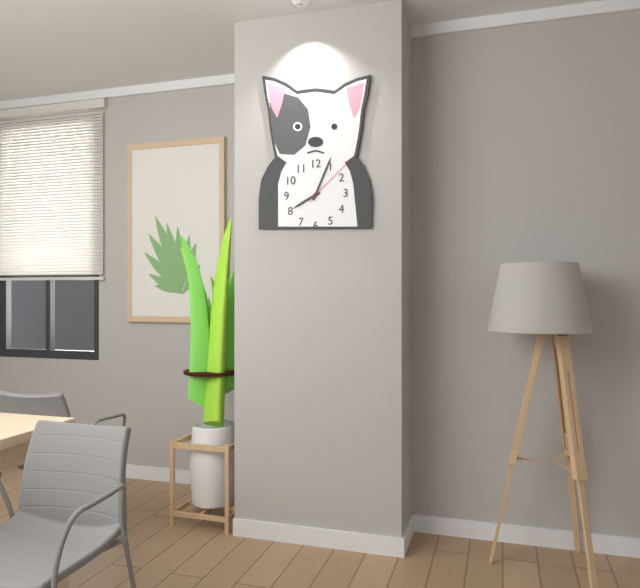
8 h 04 min 08 s
